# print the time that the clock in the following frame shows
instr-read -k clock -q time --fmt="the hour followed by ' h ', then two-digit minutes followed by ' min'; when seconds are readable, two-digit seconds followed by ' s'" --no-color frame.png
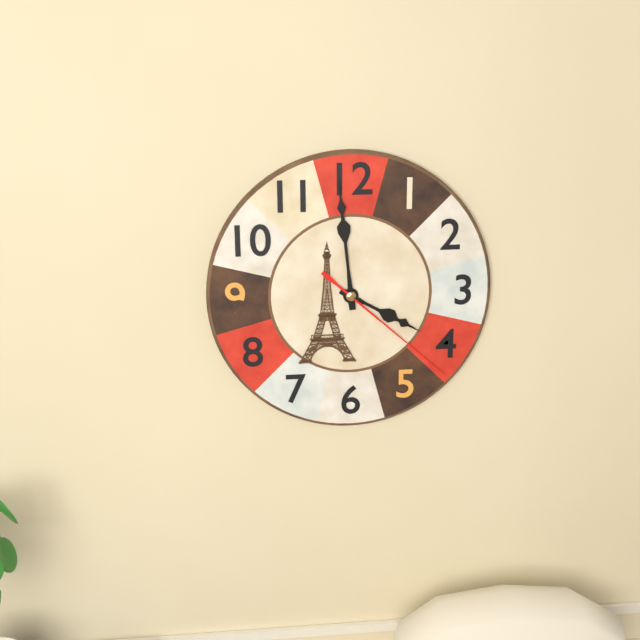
3 h 59 min 22 s
